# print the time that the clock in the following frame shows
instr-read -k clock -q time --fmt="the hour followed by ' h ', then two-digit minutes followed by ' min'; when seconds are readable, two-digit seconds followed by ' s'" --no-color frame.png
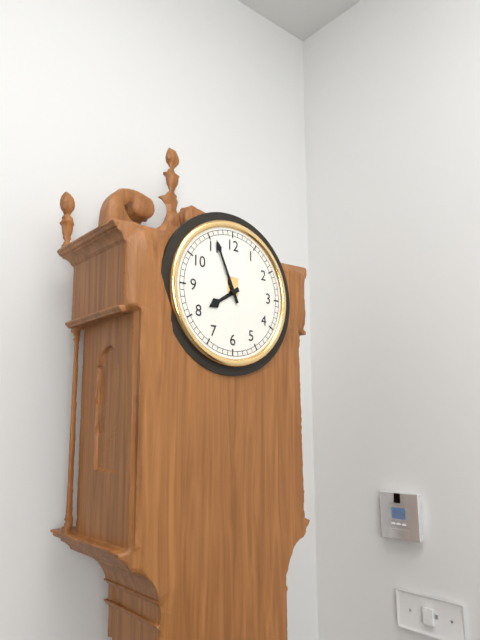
7 h 56 min
